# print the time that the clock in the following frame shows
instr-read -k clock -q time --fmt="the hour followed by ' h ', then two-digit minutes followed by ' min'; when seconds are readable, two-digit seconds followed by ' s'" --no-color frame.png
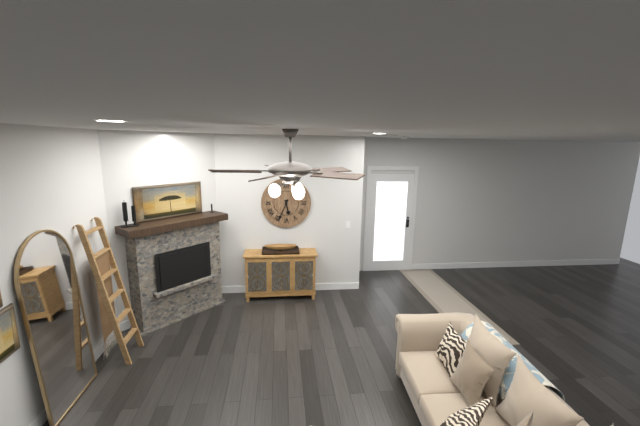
5 h 34 min
